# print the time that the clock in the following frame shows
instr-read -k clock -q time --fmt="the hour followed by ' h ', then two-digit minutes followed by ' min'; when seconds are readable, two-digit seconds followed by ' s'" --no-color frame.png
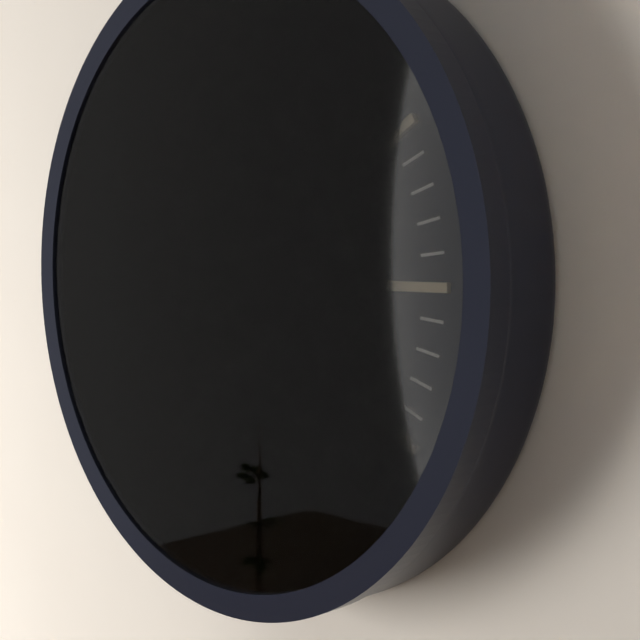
1 h 04 min
